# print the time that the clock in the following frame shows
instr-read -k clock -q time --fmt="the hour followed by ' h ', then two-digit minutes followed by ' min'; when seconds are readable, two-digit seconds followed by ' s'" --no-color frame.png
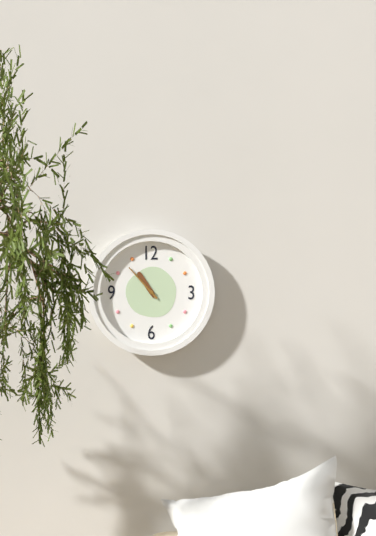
10 h 53 min
